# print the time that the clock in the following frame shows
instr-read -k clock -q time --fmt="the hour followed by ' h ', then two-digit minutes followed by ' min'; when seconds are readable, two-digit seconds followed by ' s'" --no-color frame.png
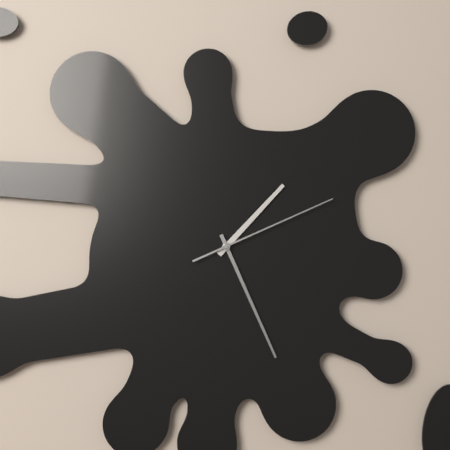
1 h 26 min 11 s
